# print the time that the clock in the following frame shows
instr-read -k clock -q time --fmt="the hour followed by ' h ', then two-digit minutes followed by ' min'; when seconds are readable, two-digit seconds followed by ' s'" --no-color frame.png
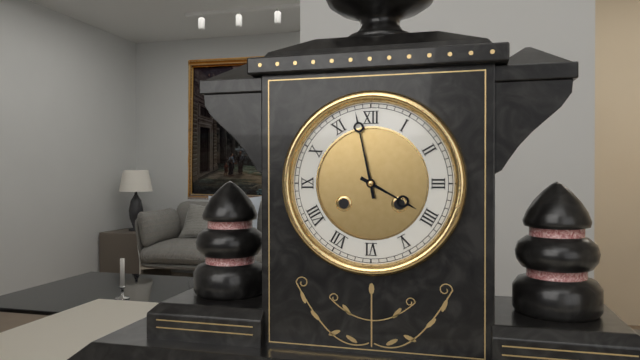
3 h 58 min
